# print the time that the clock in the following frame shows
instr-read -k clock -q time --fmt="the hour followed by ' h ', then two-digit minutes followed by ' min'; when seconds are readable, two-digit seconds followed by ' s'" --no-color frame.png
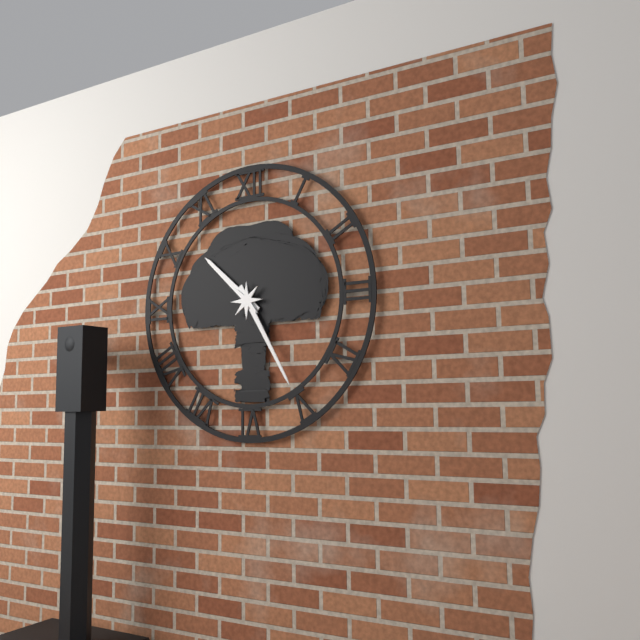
10 h 25 min
